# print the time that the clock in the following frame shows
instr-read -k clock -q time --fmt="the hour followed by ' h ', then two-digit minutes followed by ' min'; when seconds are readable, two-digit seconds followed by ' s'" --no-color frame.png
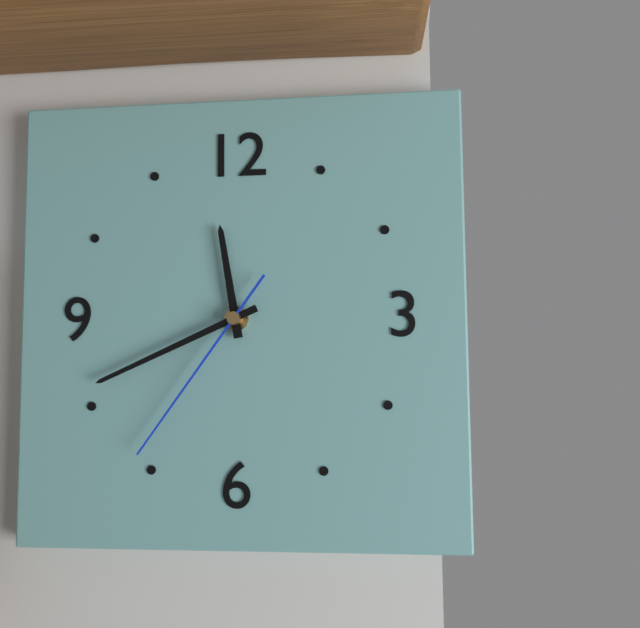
11 h 41 min 36 s
